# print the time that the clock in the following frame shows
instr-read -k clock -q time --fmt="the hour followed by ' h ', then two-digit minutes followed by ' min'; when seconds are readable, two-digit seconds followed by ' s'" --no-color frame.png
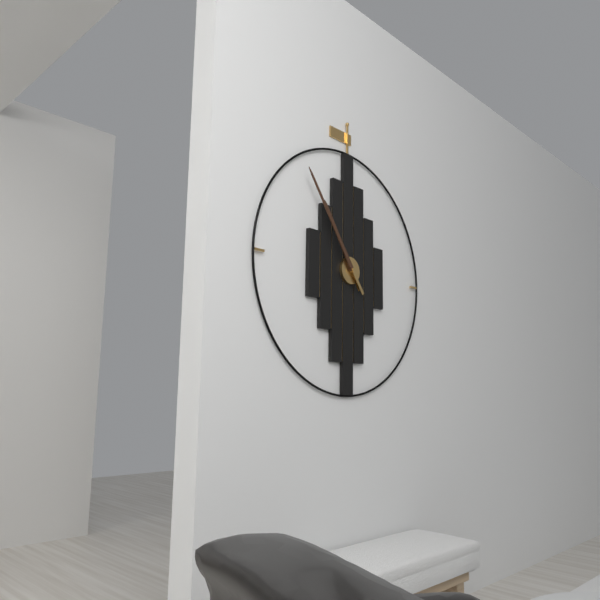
10 h 54 min
